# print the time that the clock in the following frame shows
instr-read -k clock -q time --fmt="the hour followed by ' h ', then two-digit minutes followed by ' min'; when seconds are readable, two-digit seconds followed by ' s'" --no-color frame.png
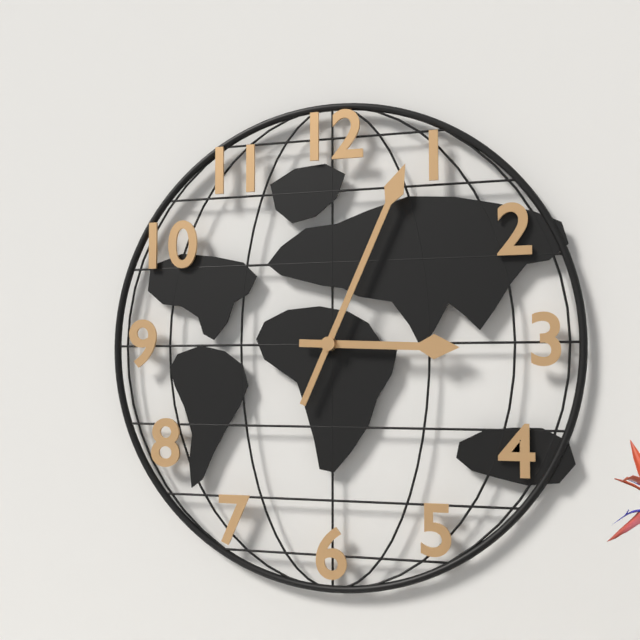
3 h 04 min
